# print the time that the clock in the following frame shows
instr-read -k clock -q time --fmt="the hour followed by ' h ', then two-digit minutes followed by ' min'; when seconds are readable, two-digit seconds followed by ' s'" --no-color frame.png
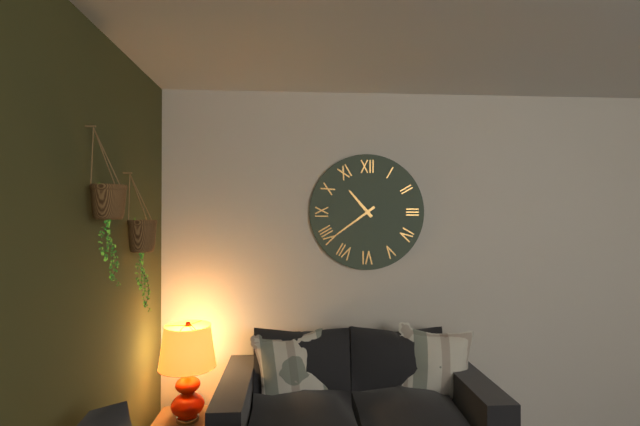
10 h 39 min
